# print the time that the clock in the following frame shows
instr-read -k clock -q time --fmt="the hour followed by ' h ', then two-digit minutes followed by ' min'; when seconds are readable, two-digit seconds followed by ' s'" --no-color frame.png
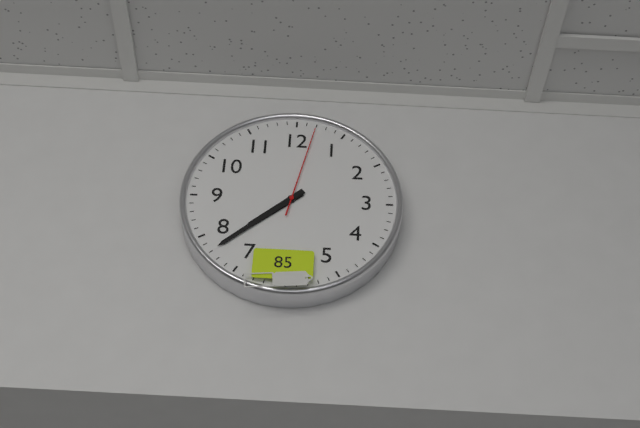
7 h 38 min 02 s
